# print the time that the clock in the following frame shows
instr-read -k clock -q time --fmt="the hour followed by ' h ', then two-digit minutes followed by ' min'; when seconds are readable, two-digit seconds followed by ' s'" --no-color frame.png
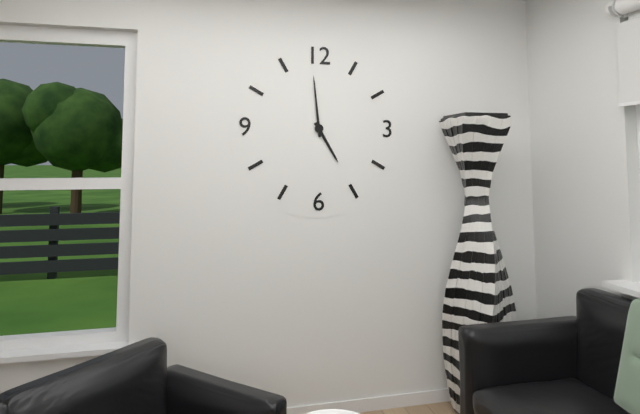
4 h 59 min
